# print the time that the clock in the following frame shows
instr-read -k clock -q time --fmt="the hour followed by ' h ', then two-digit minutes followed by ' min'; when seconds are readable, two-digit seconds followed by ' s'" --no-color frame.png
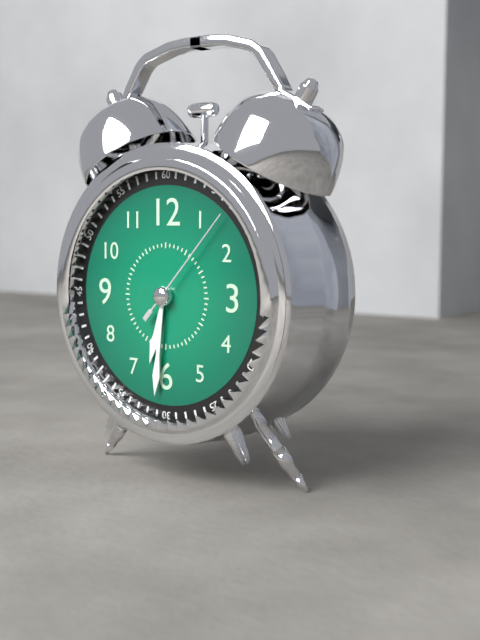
6 h 31 min 07 s
